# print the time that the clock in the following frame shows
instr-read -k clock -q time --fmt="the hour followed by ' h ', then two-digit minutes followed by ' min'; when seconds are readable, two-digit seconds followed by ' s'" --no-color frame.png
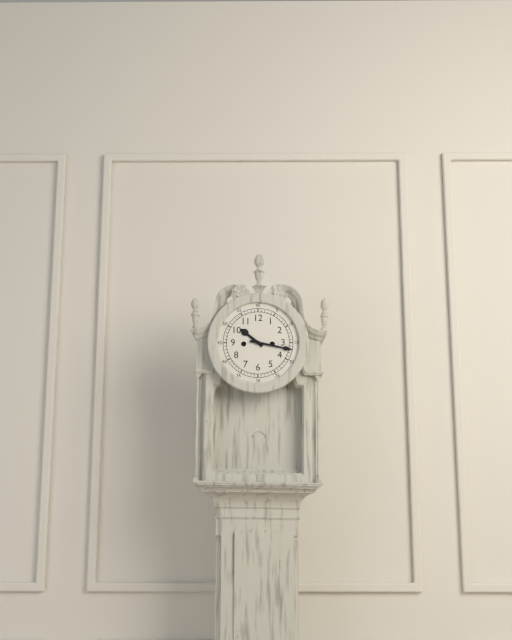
10 h 17 min
